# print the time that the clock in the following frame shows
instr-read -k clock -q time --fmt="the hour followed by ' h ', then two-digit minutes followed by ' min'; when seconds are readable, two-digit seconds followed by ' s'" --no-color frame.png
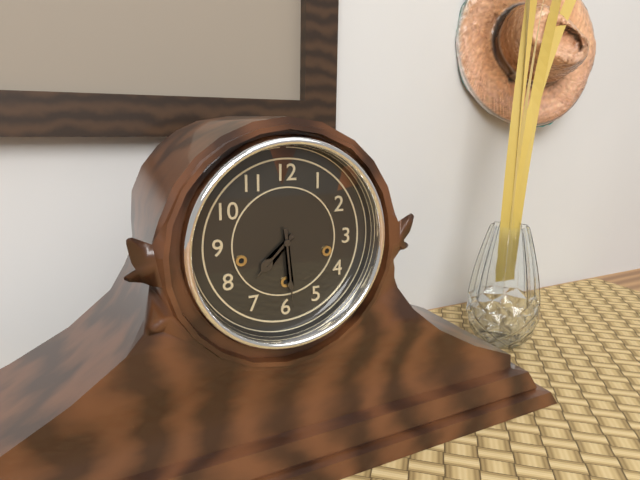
7 h 29 min
